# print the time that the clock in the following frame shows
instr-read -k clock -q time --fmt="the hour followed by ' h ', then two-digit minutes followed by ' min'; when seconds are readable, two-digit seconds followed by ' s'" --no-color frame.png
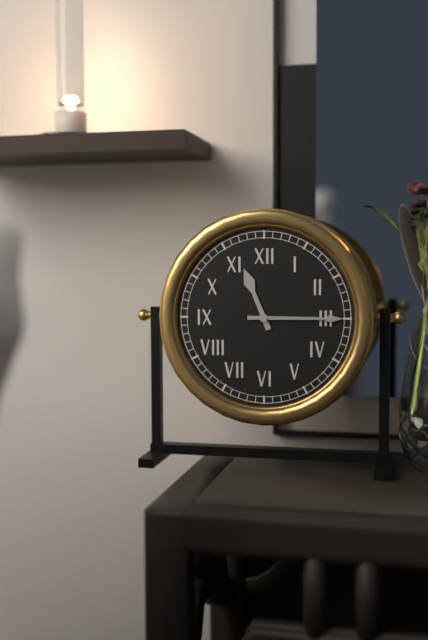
11 h 15 min
